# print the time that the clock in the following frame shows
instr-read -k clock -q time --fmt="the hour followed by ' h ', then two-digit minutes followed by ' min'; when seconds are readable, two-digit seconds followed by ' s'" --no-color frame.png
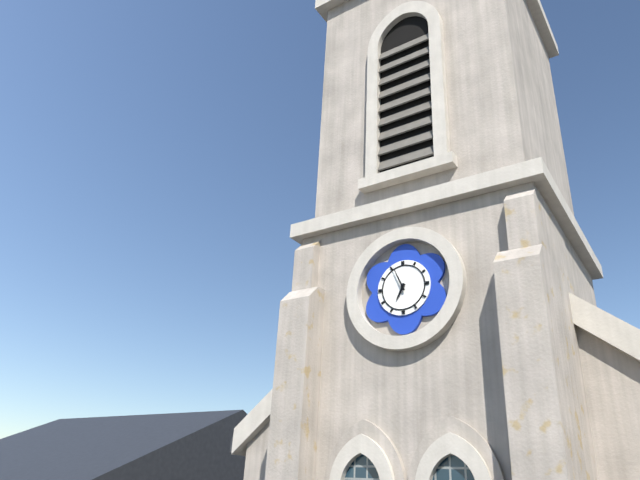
6 h 56 min
